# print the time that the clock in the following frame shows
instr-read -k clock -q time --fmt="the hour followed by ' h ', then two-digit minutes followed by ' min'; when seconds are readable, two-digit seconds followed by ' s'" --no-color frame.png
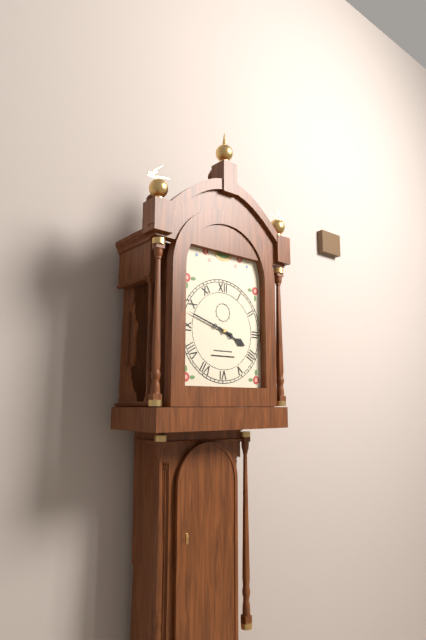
3 h 48 min
